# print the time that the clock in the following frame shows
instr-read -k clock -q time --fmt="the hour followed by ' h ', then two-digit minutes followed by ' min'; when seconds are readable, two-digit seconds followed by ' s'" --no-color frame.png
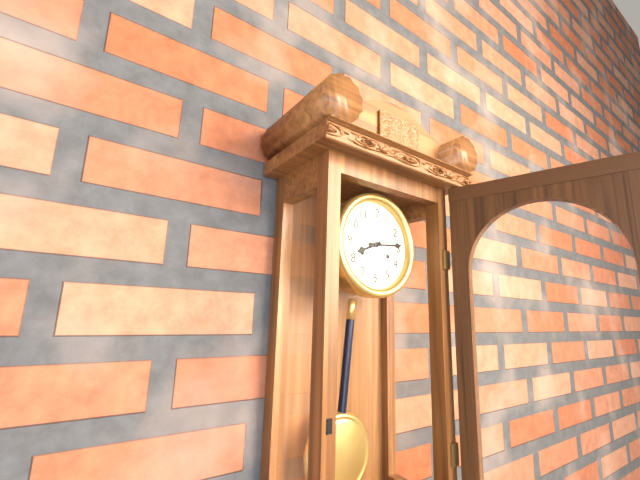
8 h 14 min
